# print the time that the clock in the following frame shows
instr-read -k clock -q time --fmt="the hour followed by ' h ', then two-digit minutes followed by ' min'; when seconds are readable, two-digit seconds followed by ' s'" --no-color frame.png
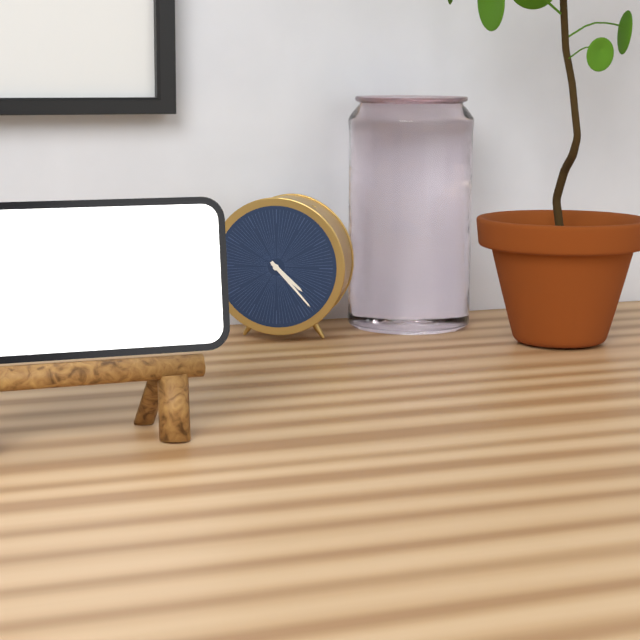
4 h 23 min
